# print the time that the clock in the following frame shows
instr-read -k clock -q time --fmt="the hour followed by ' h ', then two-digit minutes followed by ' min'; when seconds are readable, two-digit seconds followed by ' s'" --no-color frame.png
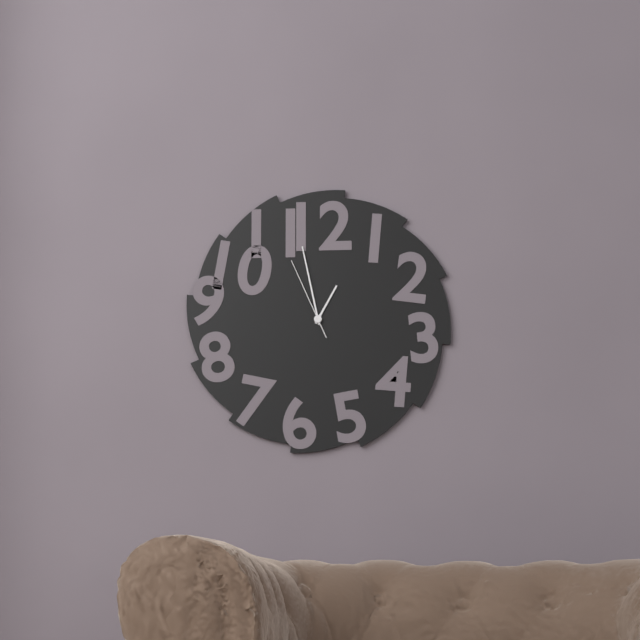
12 h 58 min 56 s
